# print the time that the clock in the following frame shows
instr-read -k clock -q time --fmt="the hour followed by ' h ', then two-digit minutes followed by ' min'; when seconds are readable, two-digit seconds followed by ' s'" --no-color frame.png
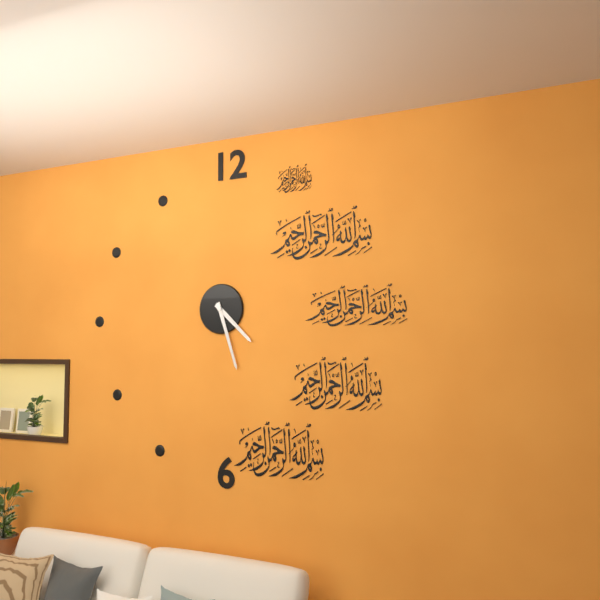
4 h 27 min
